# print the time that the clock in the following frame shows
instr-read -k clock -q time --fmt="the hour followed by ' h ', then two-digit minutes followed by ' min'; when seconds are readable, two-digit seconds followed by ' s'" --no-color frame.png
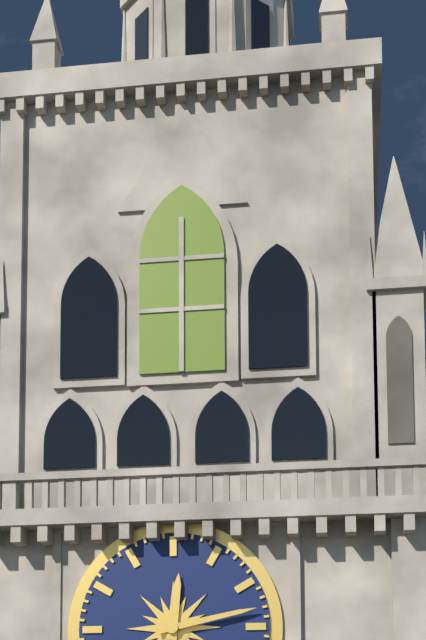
12 h 13 min
